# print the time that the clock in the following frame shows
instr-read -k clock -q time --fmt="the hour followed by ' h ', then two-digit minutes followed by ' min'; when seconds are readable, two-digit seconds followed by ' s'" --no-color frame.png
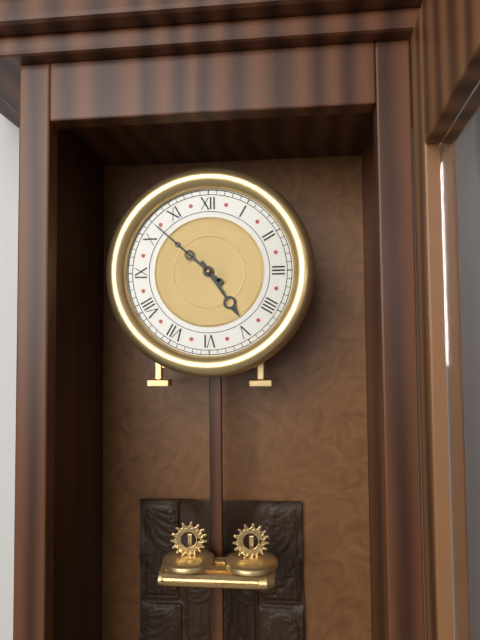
4 h 52 min
